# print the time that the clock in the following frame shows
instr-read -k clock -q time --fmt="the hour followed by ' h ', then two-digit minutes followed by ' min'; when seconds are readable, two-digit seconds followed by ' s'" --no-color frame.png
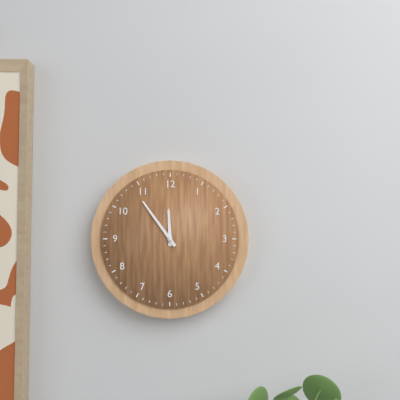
11 h 54 min
